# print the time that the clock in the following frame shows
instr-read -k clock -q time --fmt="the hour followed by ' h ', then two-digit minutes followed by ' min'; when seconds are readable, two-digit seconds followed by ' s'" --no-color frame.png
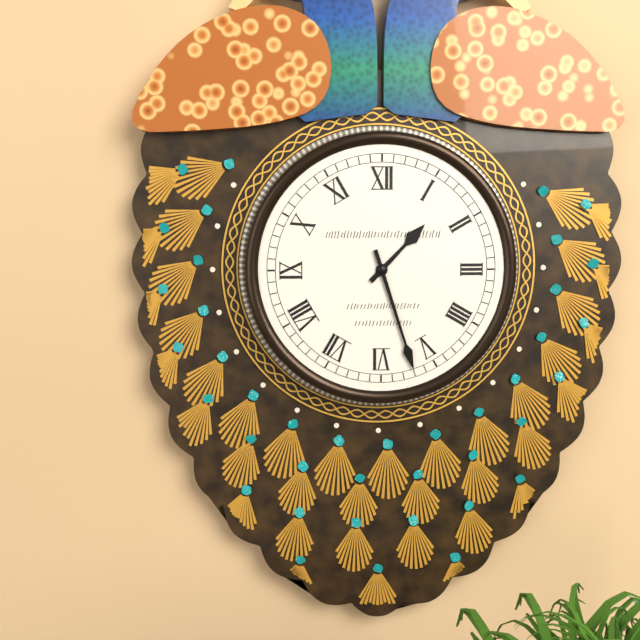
1 h 27 min
